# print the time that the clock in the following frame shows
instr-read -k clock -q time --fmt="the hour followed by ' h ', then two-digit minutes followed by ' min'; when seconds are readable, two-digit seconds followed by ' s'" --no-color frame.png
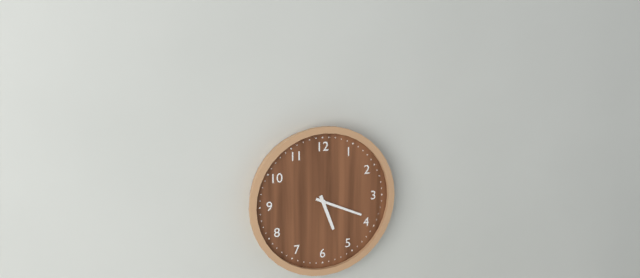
5 h 19 min
